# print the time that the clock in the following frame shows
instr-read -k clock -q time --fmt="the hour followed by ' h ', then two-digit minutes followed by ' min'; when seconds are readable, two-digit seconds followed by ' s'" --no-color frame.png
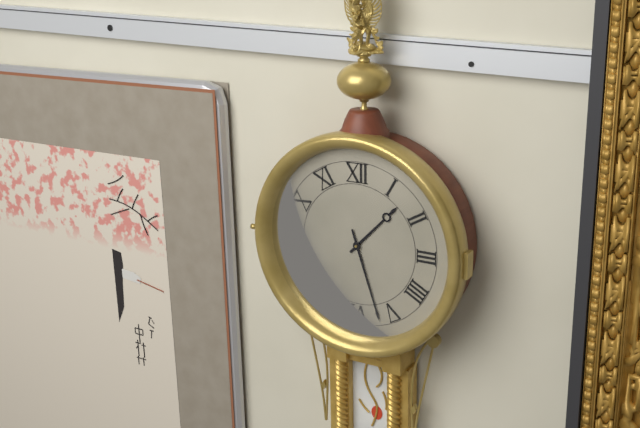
1 h 27 min
